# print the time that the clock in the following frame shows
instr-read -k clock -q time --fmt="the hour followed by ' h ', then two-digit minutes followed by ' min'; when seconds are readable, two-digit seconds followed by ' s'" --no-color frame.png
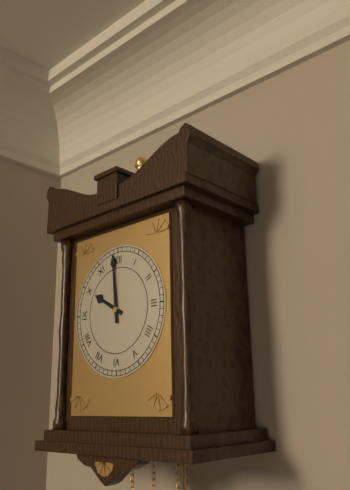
9 h 59 min
